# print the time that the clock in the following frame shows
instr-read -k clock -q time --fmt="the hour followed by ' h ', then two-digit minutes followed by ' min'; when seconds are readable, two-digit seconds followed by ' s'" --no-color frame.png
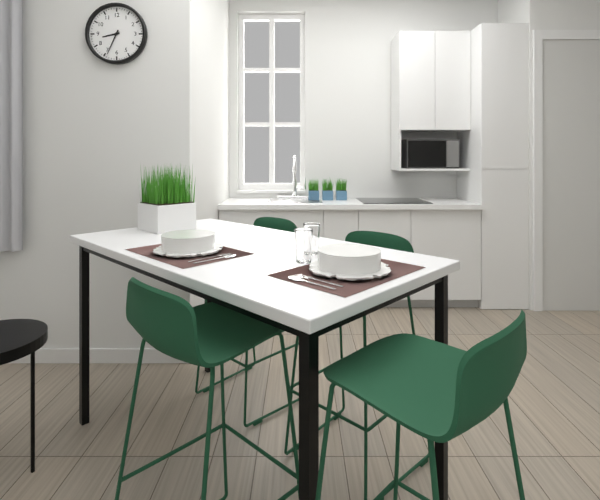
8 h 34 min
